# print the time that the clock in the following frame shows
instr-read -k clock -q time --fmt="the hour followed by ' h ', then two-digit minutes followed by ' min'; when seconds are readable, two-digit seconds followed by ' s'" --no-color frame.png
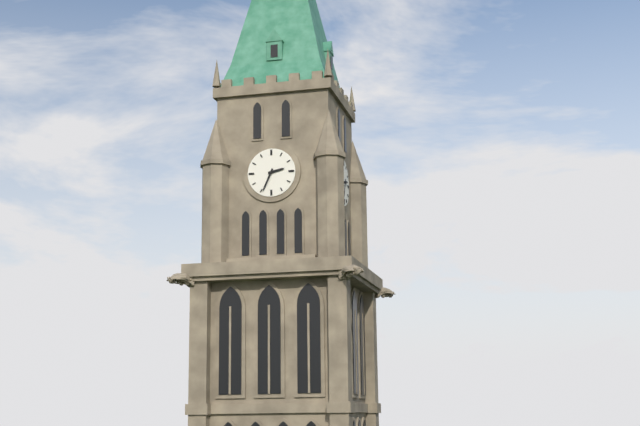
2 h 34 min
